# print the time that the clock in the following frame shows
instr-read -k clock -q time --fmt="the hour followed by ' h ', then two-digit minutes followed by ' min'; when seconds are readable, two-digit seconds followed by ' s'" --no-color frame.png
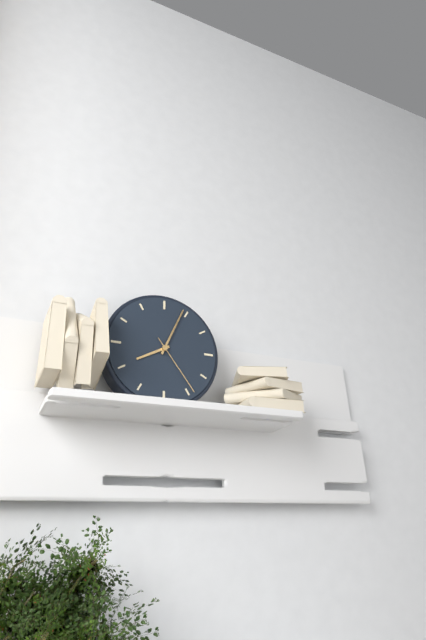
8 h 04 min 24 s
